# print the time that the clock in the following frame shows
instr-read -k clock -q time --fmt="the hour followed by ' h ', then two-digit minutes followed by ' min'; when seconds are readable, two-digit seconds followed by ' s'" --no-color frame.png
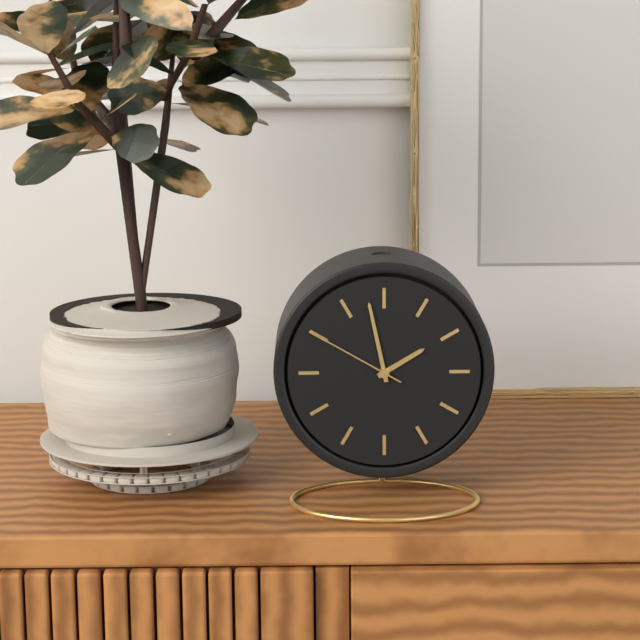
1 h 58 min 50 s
